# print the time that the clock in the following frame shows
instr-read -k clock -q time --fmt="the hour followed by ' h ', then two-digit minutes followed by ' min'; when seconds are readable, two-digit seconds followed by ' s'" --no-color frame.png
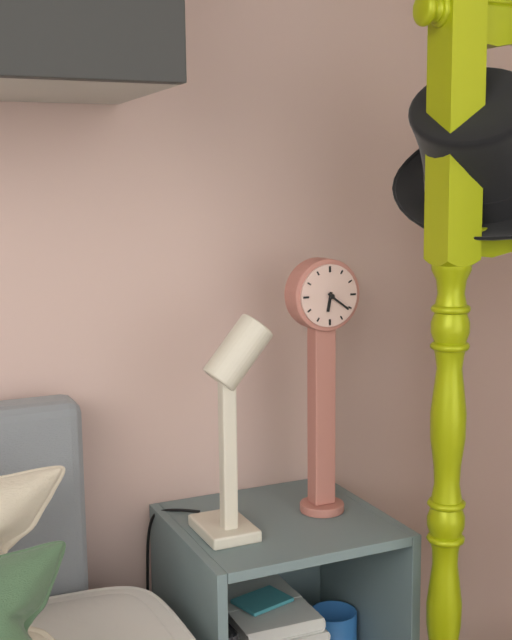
6 h 21 min
